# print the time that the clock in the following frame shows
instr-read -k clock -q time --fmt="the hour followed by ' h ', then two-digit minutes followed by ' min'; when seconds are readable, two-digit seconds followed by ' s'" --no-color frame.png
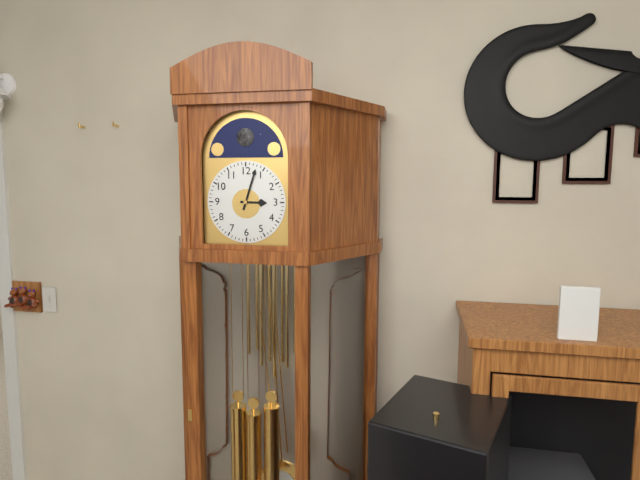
3 h 03 min
